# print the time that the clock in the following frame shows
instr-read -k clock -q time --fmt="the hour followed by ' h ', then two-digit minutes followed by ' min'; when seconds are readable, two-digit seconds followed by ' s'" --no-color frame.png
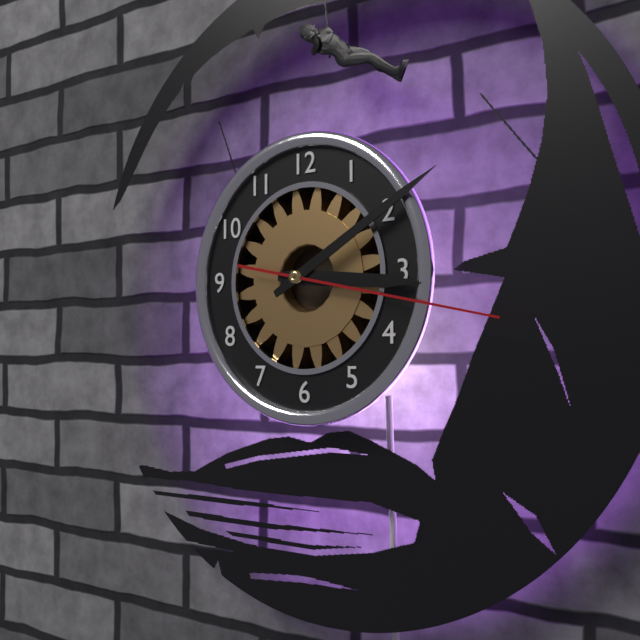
3 h 10 min 17 s
